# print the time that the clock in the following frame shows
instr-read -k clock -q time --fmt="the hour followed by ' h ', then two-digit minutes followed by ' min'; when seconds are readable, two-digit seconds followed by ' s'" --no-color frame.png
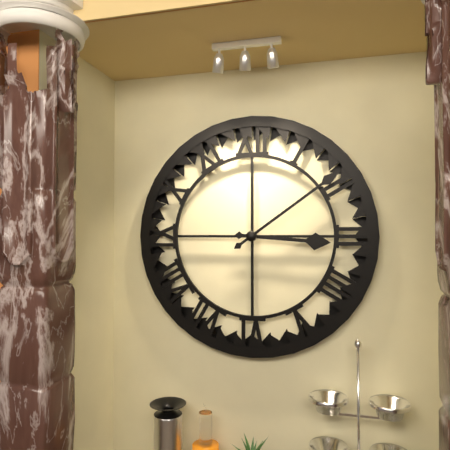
3 h 09 min
